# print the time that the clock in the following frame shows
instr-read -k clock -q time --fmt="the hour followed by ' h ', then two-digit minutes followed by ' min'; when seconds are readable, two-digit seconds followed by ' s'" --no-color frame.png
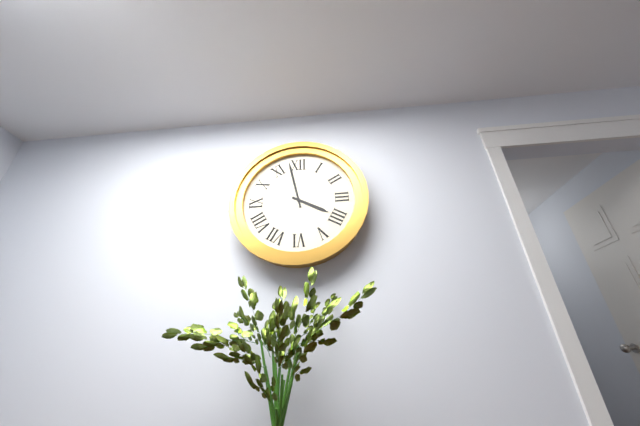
3 h 58 min
